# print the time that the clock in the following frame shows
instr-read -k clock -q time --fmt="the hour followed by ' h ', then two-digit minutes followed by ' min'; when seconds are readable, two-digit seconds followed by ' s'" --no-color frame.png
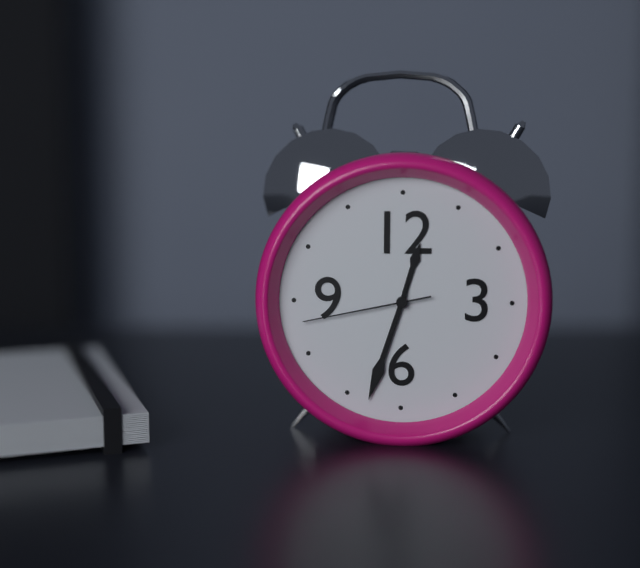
12 h 33 min 43 s
